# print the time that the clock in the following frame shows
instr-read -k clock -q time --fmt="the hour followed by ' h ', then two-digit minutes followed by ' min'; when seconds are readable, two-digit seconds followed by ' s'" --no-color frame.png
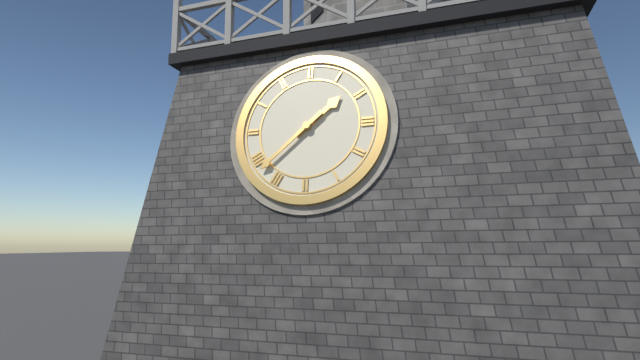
1 h 38 min
